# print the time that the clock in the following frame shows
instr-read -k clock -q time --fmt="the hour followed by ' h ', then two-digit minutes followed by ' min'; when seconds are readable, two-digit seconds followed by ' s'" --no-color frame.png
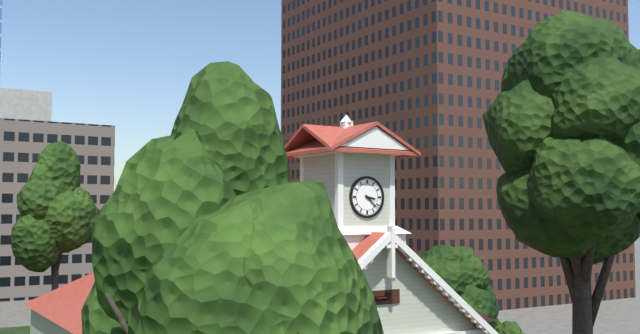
3 h 22 min
